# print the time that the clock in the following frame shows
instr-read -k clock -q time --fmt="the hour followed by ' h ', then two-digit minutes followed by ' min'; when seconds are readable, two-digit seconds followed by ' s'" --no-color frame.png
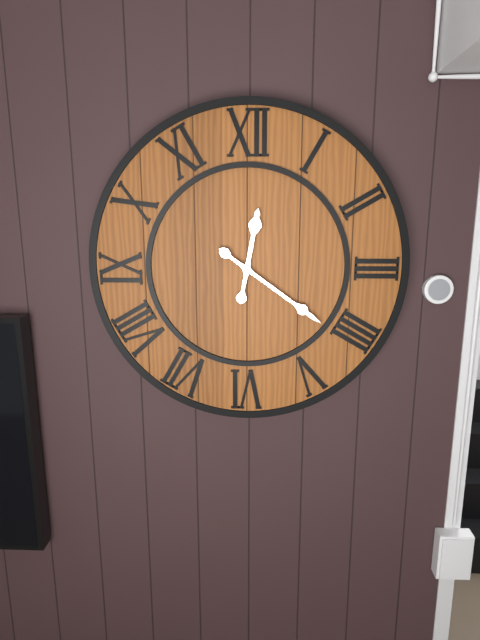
12 h 21 min
